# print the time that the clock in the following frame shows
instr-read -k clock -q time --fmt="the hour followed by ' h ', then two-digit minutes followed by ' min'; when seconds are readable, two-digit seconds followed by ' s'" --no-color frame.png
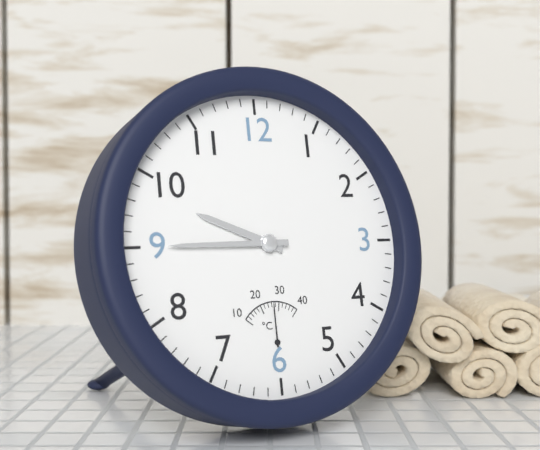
9 h 45 min
